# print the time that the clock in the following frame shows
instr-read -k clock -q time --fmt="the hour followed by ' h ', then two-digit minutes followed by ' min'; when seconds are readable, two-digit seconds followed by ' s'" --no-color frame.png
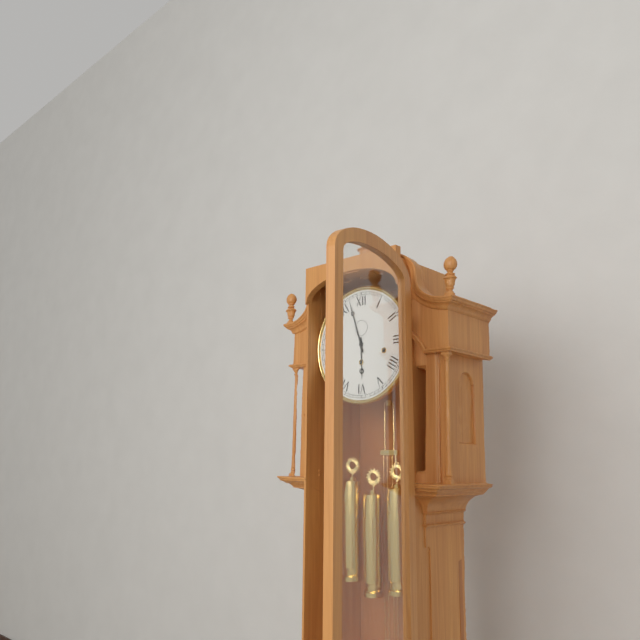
5 h 57 min
